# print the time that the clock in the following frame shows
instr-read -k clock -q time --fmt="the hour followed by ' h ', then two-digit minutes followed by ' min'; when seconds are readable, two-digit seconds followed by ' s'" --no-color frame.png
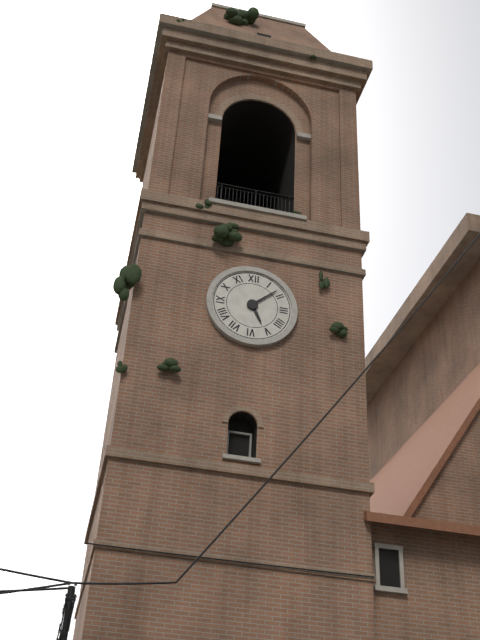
5 h 08 min
